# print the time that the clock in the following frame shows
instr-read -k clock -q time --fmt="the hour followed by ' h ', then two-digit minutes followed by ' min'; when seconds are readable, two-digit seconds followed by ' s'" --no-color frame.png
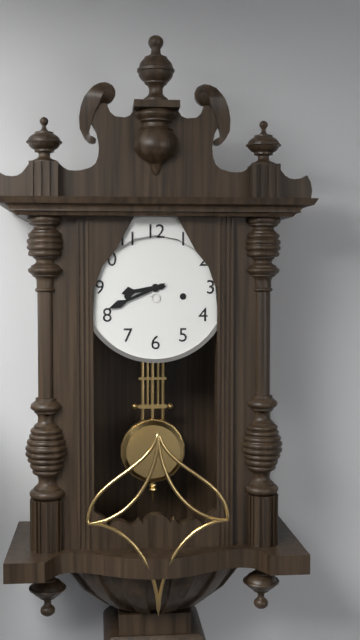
8 h 41 min
